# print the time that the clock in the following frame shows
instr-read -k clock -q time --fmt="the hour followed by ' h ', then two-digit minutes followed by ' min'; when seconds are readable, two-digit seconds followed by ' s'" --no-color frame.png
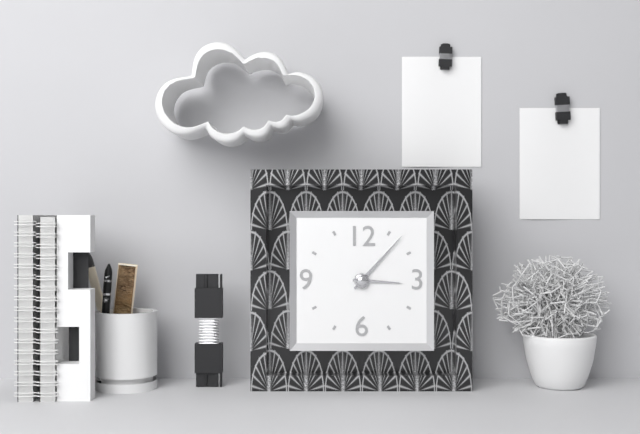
3 h 07 min
